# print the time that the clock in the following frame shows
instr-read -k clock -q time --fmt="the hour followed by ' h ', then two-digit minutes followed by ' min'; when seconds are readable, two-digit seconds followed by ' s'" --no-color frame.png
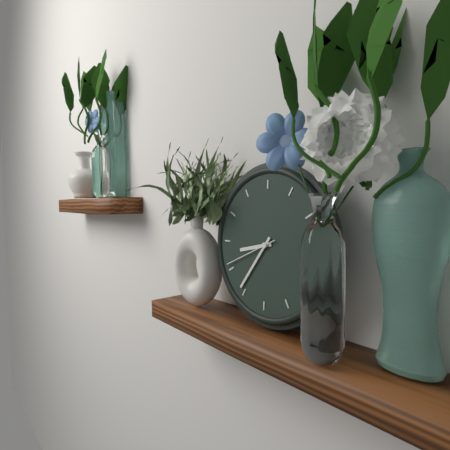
8 h 36 min 41 s
